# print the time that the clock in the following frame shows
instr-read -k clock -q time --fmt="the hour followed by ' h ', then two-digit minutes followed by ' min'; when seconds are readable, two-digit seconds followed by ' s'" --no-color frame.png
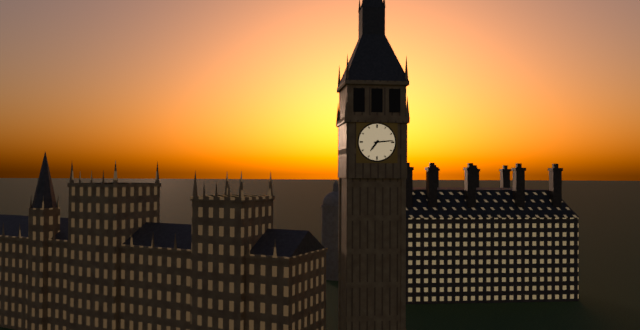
7 h 14 min
